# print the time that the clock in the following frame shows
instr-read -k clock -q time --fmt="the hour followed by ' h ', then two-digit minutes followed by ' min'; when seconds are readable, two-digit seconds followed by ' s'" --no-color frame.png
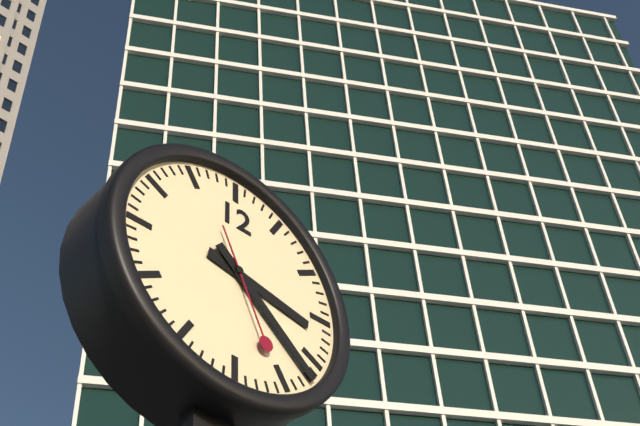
3 h 22 min 26 s
